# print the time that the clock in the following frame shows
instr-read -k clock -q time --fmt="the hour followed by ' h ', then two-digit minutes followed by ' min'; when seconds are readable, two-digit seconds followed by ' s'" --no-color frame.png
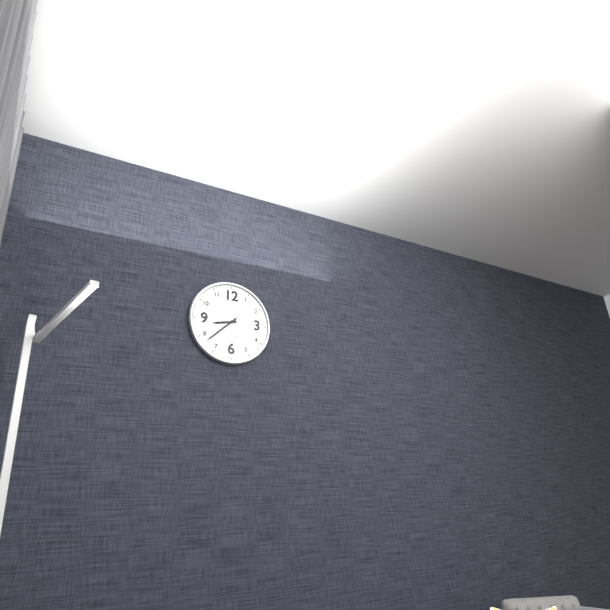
8 h 38 min
